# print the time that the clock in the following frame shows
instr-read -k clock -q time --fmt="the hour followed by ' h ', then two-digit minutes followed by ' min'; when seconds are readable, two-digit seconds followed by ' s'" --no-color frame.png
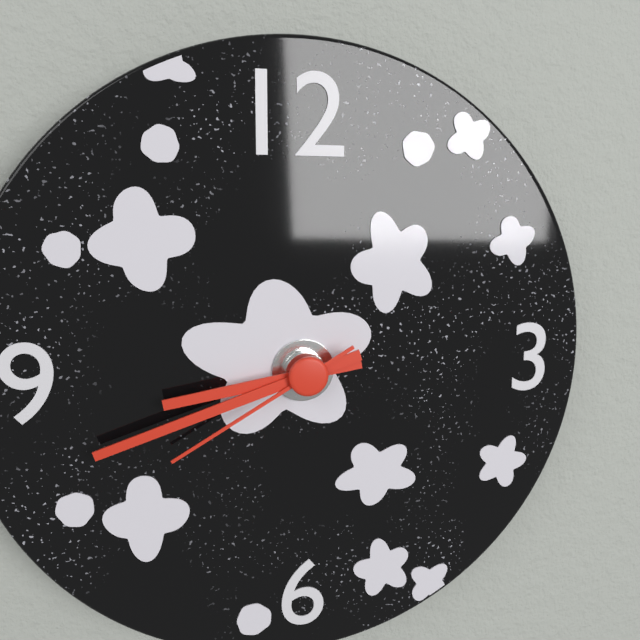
8 h 42 min 40 s
